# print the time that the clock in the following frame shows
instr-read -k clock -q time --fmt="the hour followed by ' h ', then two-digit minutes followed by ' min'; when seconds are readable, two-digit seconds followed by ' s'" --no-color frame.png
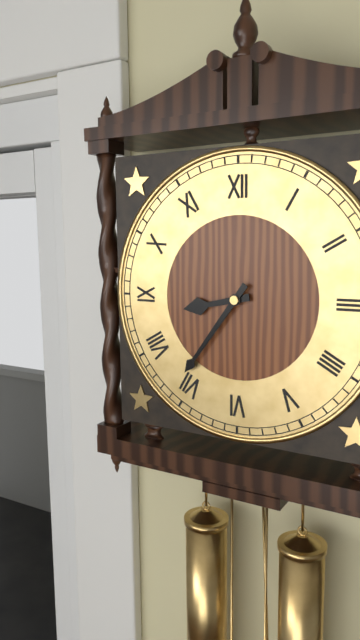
8 h 36 min
